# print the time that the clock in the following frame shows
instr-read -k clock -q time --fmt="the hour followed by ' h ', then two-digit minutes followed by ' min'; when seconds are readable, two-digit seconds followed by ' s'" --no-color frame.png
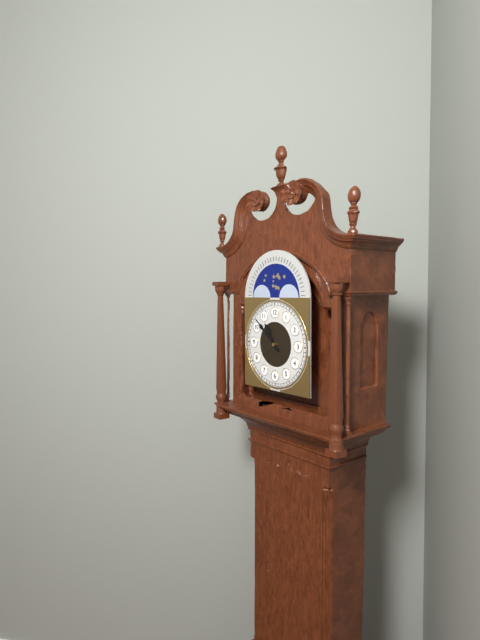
10 h 52 min
